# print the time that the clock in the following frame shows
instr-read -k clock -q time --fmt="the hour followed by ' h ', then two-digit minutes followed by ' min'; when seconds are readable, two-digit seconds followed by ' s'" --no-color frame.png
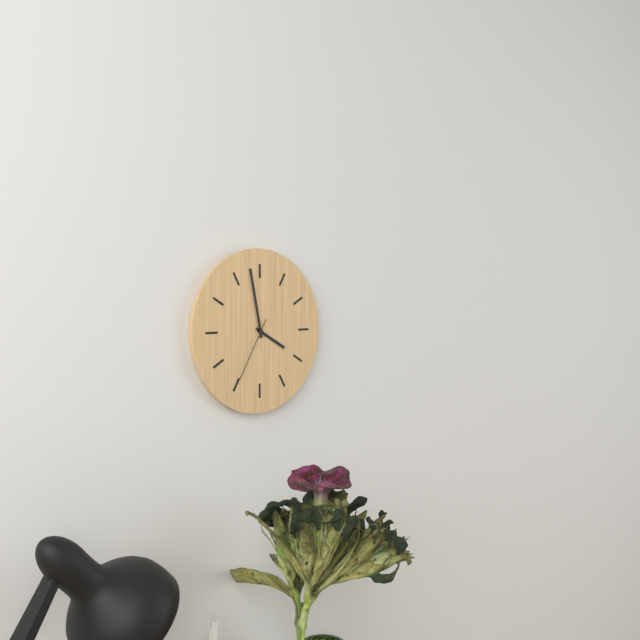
3 h 58 min 35 s
